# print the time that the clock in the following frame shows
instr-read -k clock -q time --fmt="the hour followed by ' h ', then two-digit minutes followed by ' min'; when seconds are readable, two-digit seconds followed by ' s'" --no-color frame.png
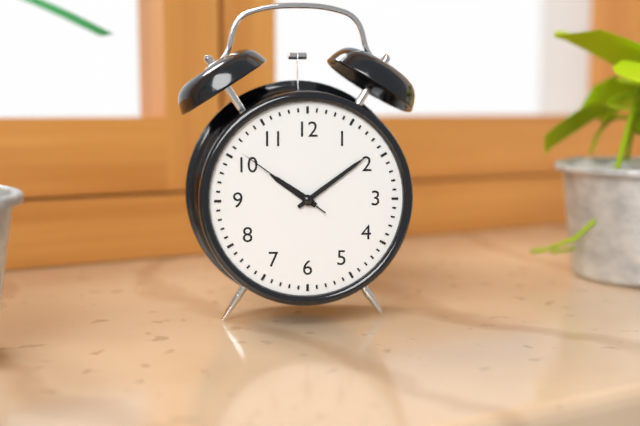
10 h 09 min 51 s
